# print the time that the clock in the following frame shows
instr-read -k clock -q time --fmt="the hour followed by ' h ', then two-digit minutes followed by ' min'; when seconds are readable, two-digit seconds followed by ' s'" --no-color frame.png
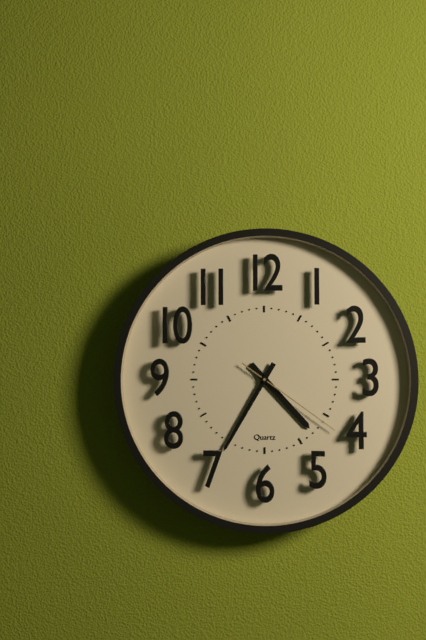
4 h 35 min 21 s
